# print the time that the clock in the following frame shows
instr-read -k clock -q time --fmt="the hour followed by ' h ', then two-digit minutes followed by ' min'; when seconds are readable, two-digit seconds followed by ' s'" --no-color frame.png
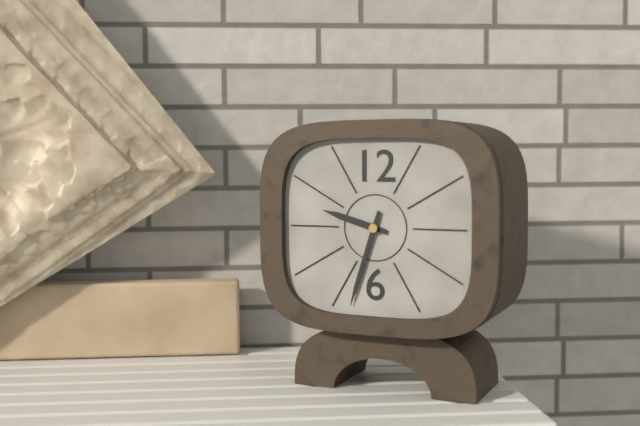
9 h 33 min
